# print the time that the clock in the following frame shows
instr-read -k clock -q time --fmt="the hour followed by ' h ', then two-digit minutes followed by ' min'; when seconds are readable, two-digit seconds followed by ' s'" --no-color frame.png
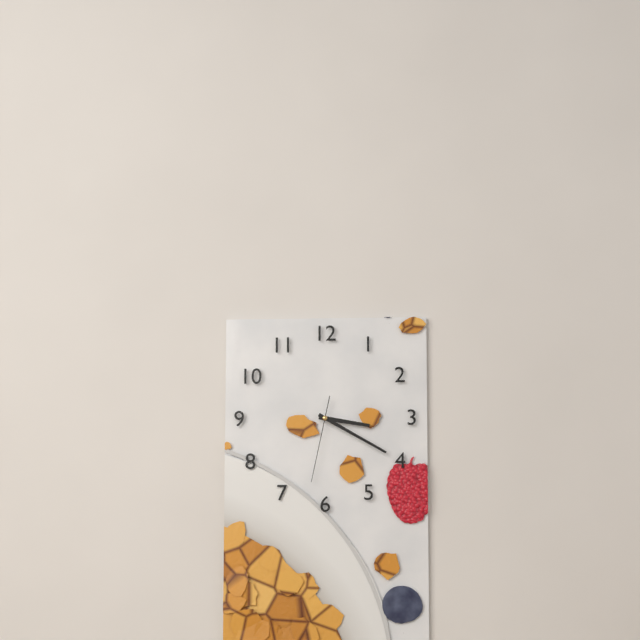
3 h 20 min 32 s
